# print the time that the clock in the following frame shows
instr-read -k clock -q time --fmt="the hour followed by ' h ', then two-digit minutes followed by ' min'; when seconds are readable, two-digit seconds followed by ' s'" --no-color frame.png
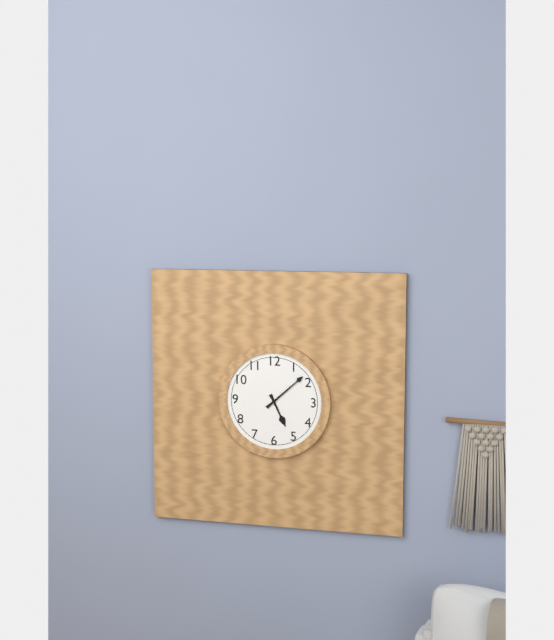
5 h 08 min
